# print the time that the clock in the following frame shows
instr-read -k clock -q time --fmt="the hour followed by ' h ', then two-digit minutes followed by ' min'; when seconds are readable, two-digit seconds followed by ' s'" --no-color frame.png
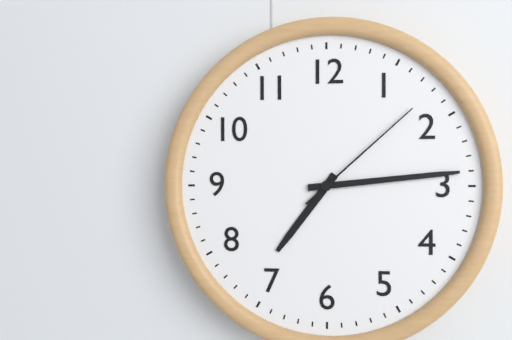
7 h 14 min 08 s
